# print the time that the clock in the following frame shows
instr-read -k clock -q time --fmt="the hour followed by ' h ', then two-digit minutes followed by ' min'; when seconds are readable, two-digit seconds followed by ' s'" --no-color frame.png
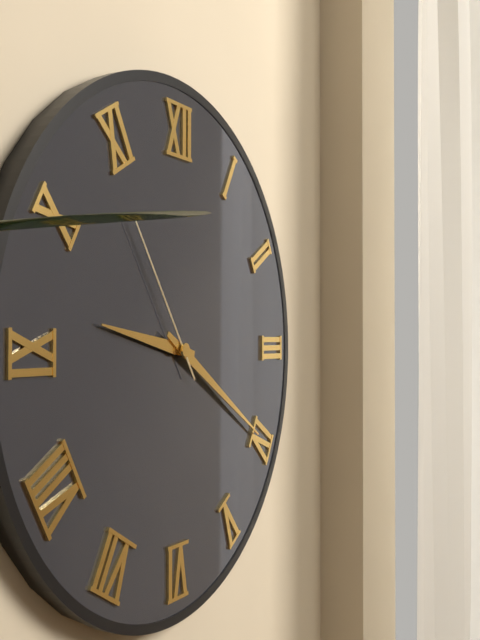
9 h 20 min 54 s
